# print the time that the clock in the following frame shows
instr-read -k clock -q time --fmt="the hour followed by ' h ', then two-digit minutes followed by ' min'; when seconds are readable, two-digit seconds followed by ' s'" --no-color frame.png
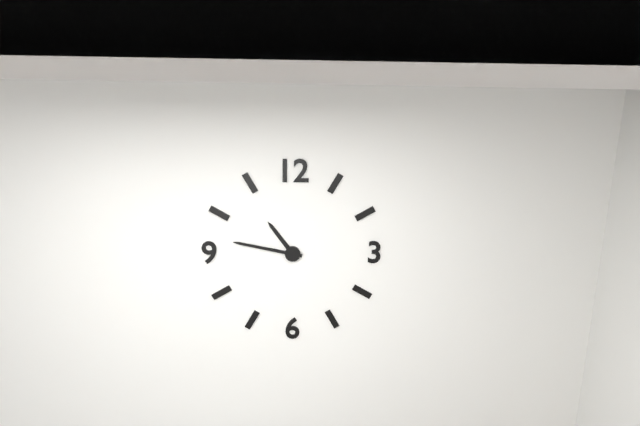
10 h 47 min
